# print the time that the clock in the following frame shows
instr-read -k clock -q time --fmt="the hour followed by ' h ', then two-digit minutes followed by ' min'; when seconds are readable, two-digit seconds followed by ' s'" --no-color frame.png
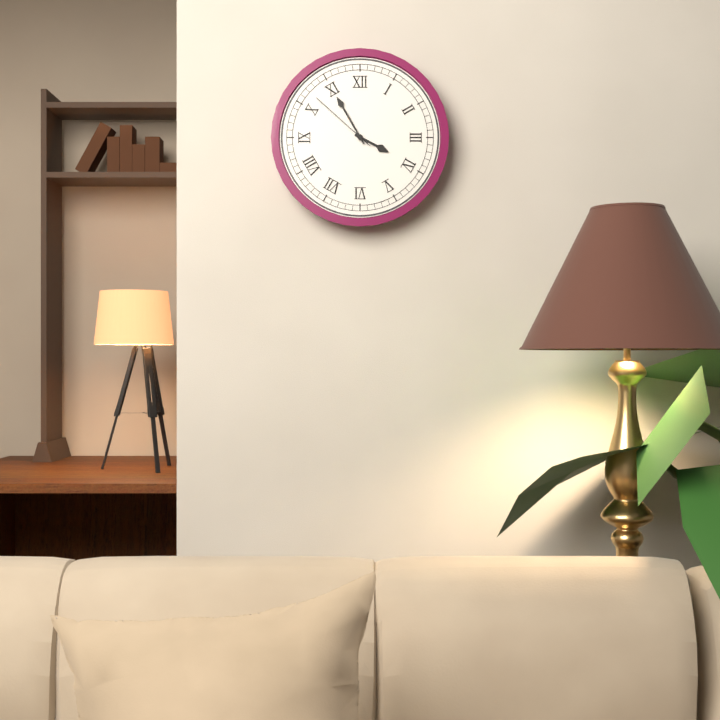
3 h 55 min 52 s
